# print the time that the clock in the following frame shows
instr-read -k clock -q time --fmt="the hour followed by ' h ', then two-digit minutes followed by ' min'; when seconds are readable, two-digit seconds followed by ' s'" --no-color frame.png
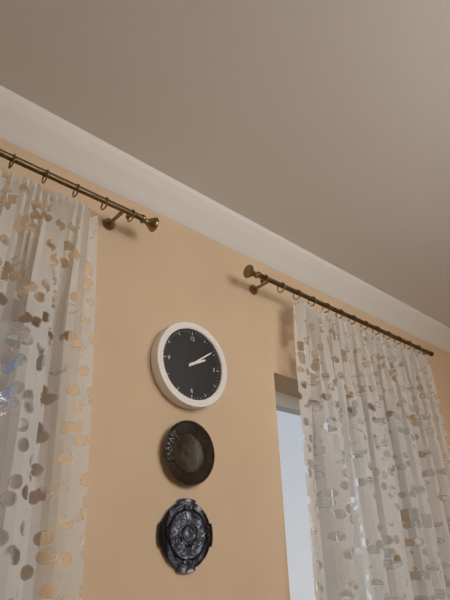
2 h 09 min
